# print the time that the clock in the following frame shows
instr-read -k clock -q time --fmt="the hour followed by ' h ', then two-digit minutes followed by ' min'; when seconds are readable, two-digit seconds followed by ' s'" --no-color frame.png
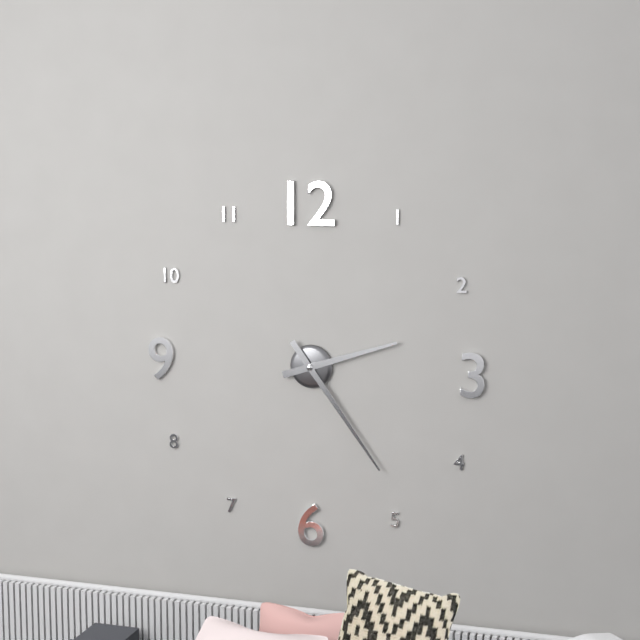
2 h 24 min
